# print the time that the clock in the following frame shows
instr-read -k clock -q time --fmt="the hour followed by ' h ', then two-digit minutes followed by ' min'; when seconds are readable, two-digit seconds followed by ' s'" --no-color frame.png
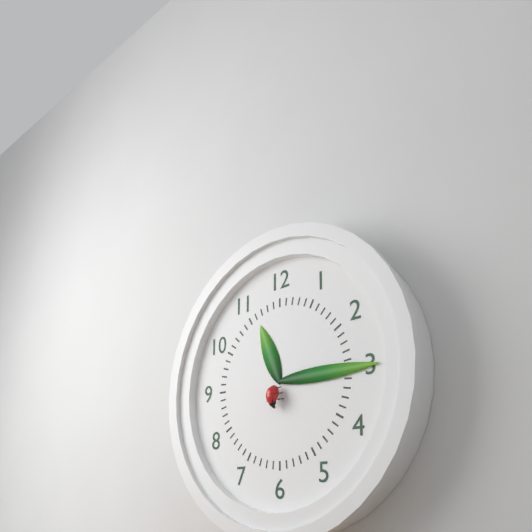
11 h 15 min
